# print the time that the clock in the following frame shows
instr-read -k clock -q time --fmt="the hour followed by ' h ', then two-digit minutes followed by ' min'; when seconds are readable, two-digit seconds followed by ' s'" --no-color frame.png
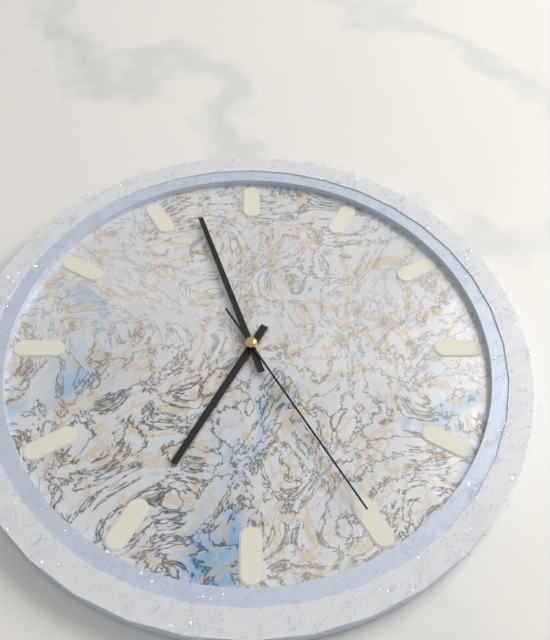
6 h 57 min 25 s
